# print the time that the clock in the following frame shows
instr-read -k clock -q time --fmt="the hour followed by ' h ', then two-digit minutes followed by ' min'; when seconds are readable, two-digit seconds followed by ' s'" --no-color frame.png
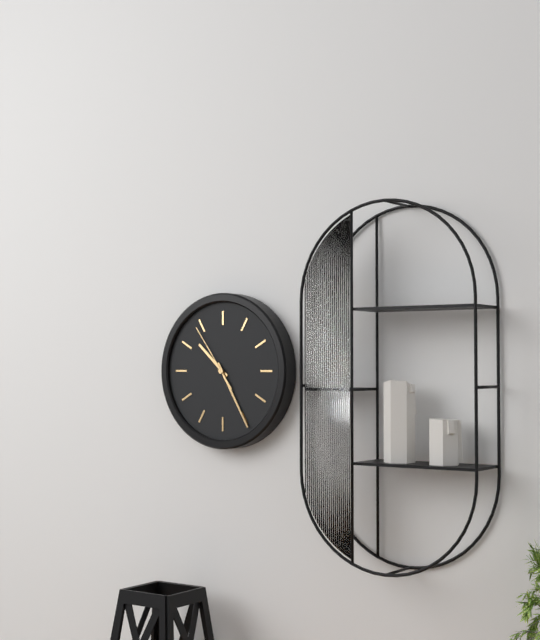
10 h 25 min 54 s
